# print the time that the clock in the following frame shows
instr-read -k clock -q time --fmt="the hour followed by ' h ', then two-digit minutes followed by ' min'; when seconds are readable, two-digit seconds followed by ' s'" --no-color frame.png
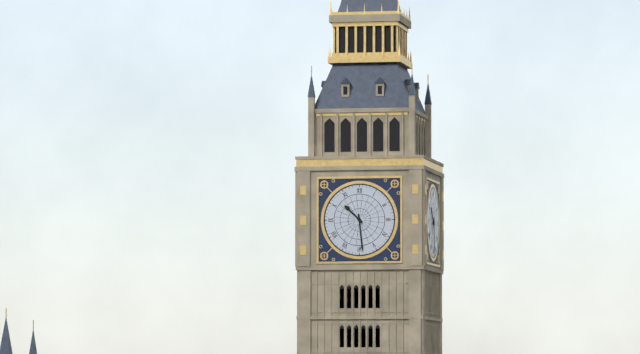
10 h 29 min
